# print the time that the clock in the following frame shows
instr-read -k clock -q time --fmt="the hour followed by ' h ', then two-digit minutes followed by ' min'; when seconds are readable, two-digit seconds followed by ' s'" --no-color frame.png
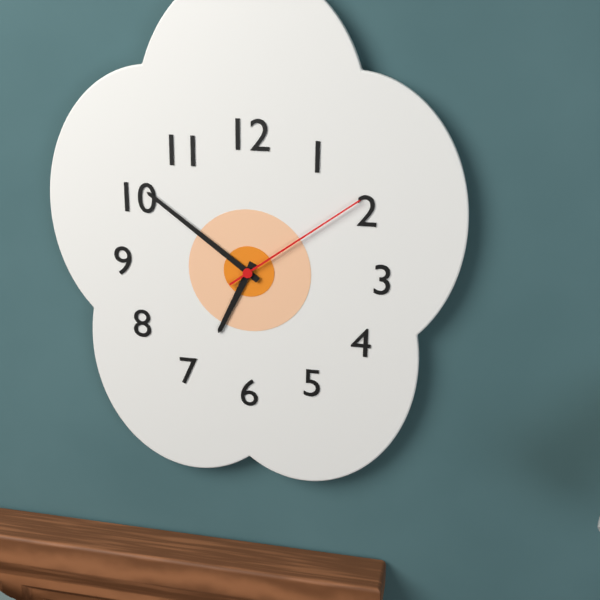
6 h 51 min 09 s
